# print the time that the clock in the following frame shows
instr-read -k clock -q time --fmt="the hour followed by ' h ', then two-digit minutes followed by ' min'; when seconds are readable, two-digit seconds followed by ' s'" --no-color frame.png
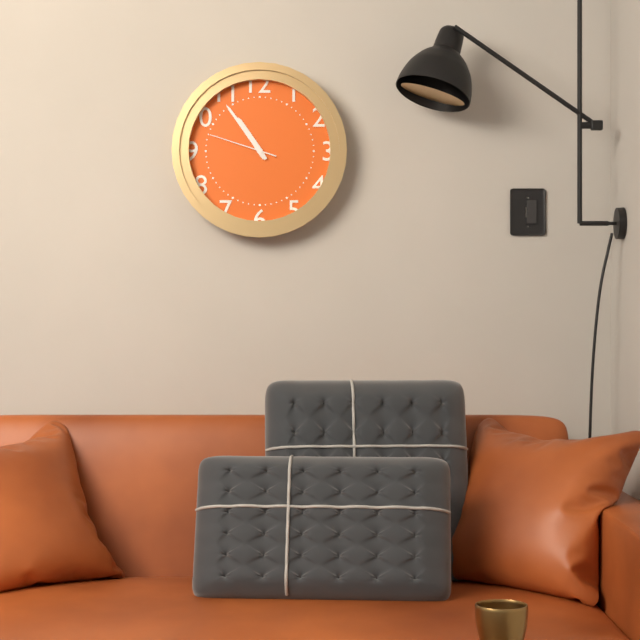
10 h 54 min 48 s
